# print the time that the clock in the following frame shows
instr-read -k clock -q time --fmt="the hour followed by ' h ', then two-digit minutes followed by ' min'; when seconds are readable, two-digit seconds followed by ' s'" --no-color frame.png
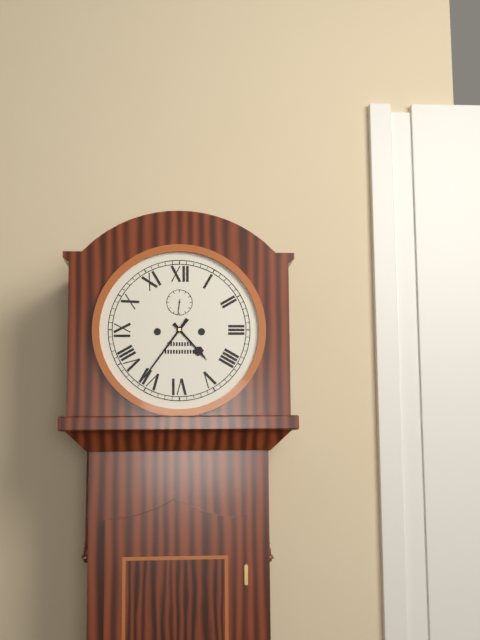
4 h 36 min
